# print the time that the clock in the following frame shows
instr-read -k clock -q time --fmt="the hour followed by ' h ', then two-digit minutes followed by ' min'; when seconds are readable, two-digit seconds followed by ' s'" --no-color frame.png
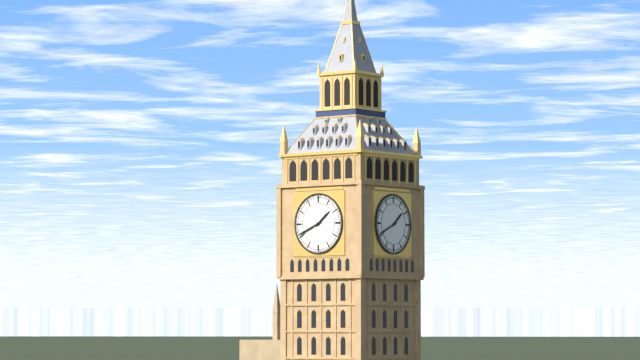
1 h 41 min
